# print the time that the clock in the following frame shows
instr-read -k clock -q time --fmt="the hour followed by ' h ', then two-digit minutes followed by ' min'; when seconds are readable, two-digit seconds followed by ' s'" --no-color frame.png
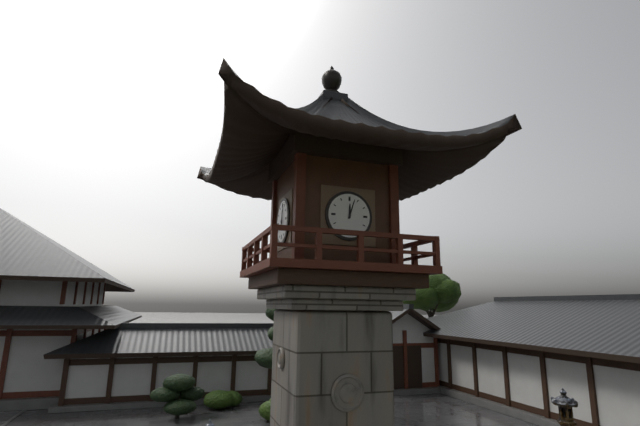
12 h 03 min
